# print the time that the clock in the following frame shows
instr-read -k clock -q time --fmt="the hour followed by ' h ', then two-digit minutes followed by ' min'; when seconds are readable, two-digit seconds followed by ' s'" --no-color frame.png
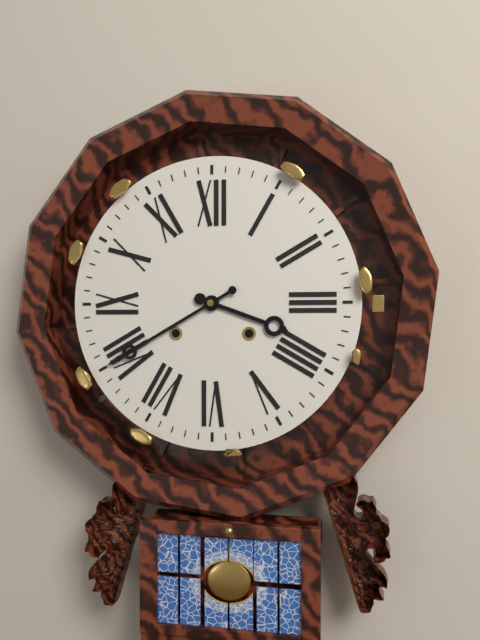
3 h 40 min
